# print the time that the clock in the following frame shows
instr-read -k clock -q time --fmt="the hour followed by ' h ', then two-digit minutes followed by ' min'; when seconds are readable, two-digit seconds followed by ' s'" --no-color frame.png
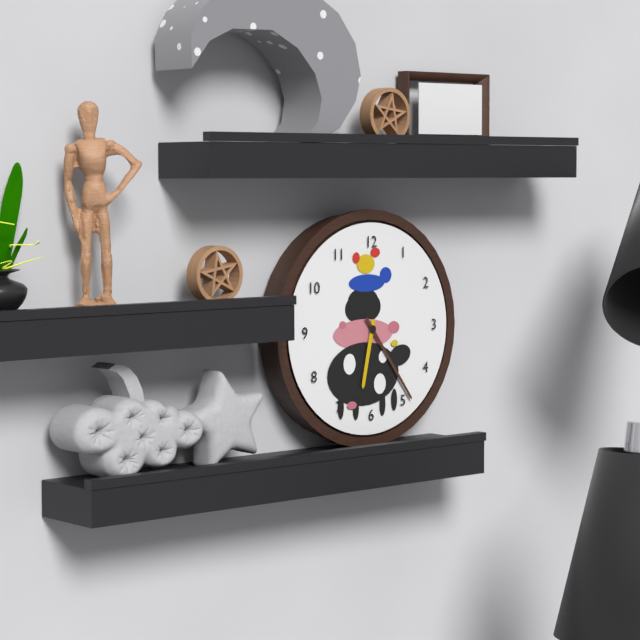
6 h 24 min
